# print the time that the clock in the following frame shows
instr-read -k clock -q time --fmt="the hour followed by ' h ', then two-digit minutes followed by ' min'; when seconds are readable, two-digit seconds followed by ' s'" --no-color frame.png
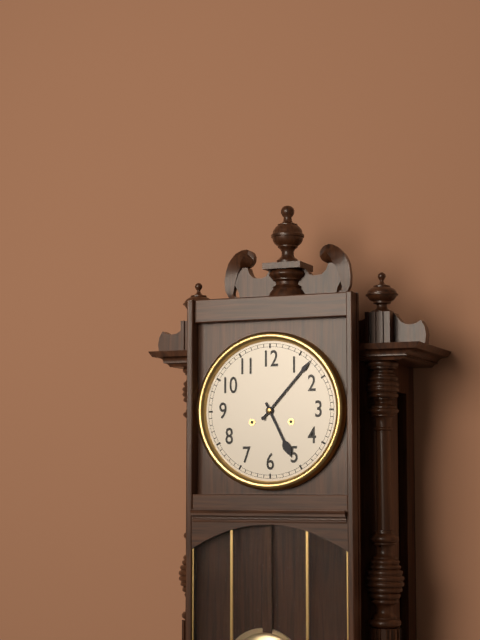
5 h 07 min
